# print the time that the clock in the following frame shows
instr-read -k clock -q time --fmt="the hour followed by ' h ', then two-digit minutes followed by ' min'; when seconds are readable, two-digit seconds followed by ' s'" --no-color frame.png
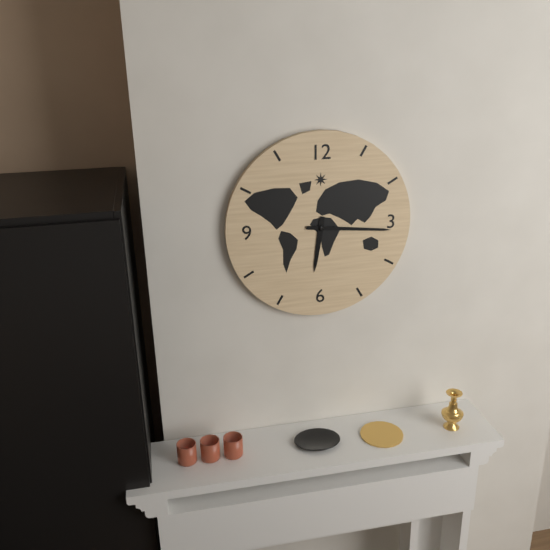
6 h 16 min
